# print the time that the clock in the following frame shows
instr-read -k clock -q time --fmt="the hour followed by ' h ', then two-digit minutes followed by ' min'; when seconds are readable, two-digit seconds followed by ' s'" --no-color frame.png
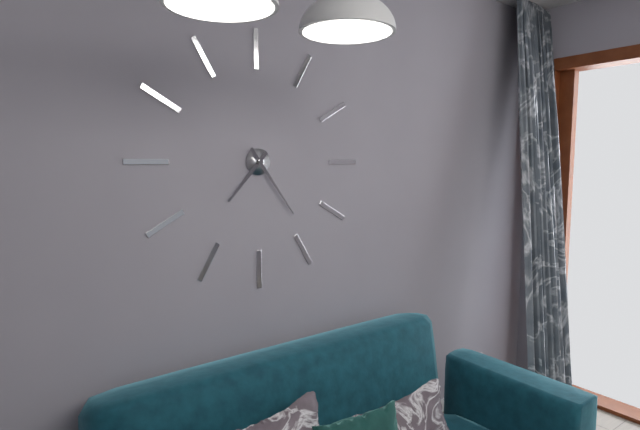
7 h 24 min
